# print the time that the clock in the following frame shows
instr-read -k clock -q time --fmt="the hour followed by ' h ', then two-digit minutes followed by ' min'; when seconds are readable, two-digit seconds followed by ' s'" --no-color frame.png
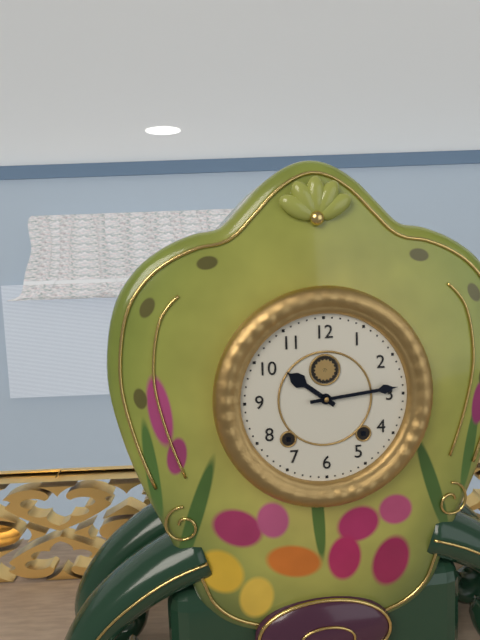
10 h 14 min
